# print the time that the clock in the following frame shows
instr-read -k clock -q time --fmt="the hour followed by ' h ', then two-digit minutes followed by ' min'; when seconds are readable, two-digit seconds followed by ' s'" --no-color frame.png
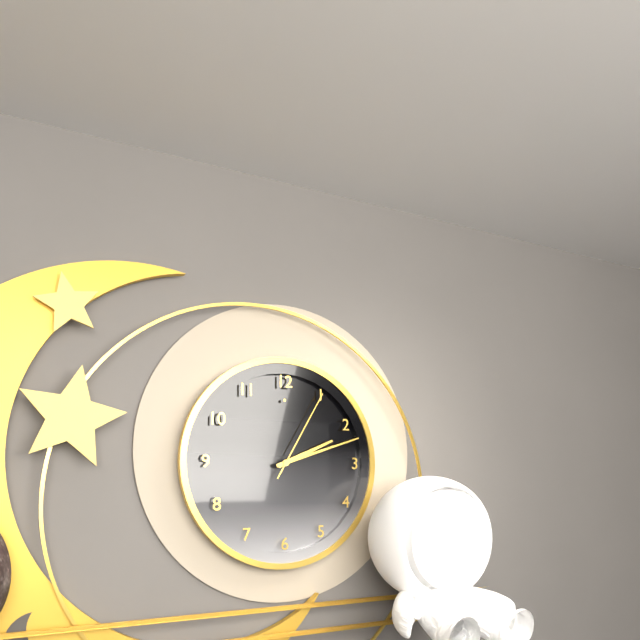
2 h 12 min 05 s
